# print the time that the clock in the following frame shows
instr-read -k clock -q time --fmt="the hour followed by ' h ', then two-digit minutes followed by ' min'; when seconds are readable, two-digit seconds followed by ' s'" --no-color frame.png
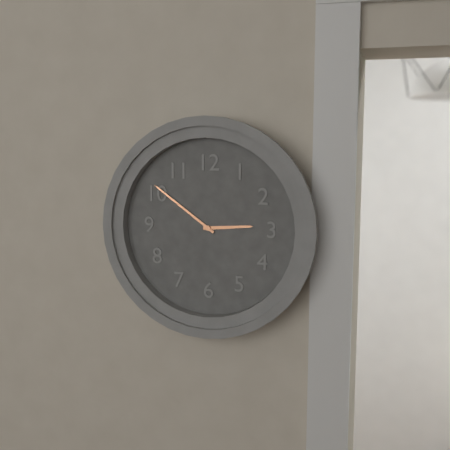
2 h 51 min
